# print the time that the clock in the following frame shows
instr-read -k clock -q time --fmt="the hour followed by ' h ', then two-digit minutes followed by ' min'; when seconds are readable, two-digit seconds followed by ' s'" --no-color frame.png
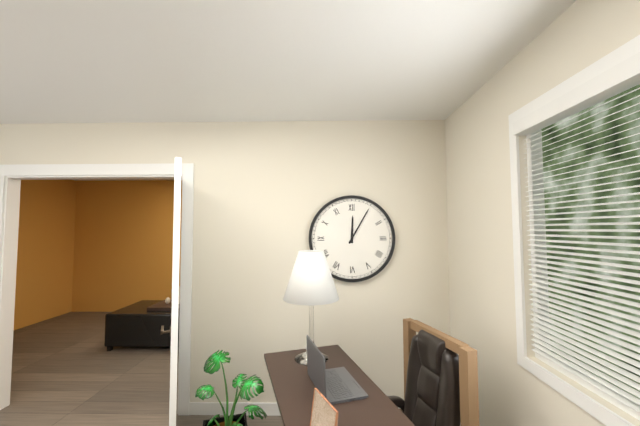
12 h 05 min
